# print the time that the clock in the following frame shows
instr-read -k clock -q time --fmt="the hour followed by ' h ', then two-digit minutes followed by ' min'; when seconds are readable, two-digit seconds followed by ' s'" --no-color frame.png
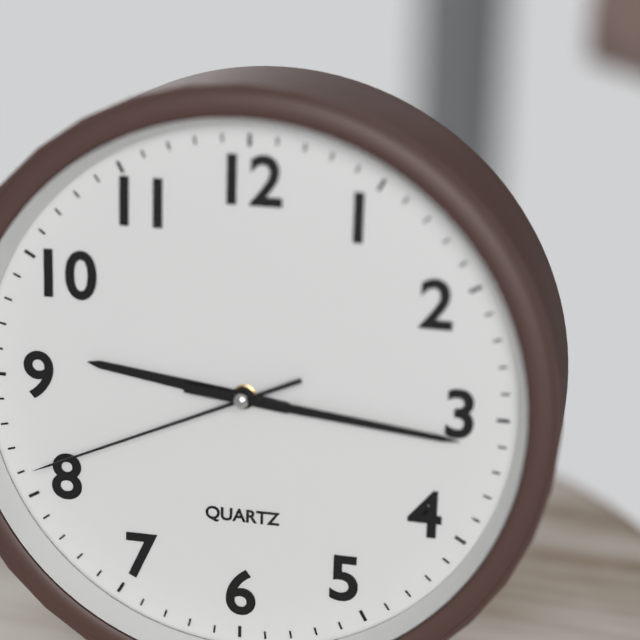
9 h 16 min 41 s
